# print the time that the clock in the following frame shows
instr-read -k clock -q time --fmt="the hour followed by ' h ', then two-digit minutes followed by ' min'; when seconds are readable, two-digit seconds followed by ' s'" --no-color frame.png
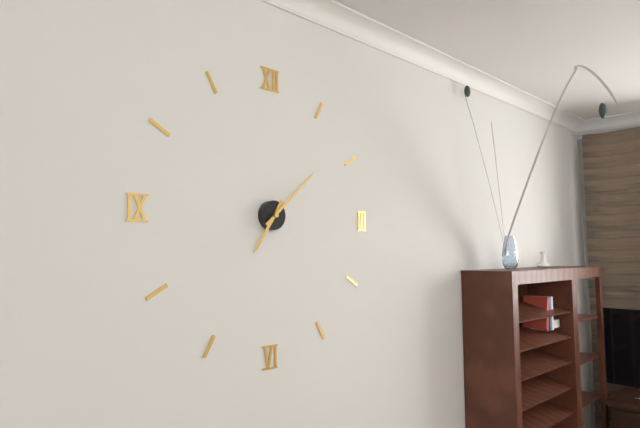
7 h 08 min
